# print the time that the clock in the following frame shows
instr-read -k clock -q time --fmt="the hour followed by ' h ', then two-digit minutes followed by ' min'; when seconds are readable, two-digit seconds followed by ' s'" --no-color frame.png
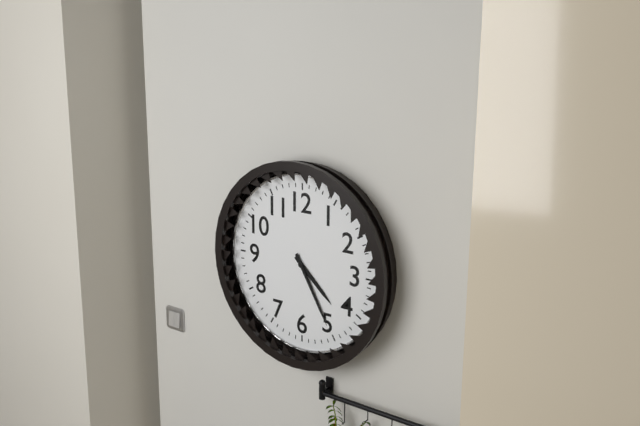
4 h 25 min
